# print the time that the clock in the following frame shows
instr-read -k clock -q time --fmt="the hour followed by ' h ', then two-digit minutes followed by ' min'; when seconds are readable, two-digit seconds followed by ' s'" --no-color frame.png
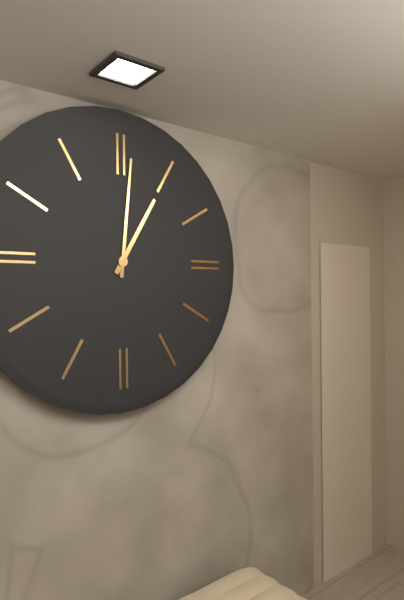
1 h 01 min
